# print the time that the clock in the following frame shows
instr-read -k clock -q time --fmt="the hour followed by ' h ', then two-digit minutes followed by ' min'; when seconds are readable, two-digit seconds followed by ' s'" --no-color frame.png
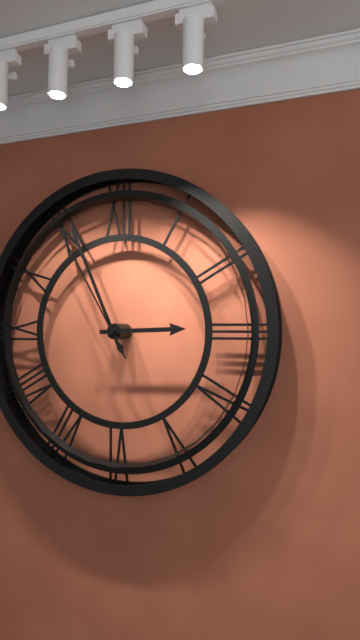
2 h 56 min 55 s
